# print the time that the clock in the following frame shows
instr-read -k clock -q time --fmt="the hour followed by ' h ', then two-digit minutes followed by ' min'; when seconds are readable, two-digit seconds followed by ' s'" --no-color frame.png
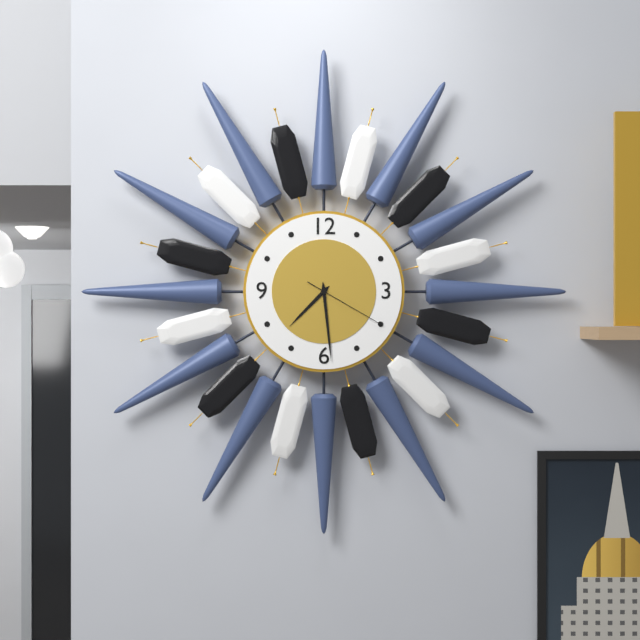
7 h 29 min 20 s
